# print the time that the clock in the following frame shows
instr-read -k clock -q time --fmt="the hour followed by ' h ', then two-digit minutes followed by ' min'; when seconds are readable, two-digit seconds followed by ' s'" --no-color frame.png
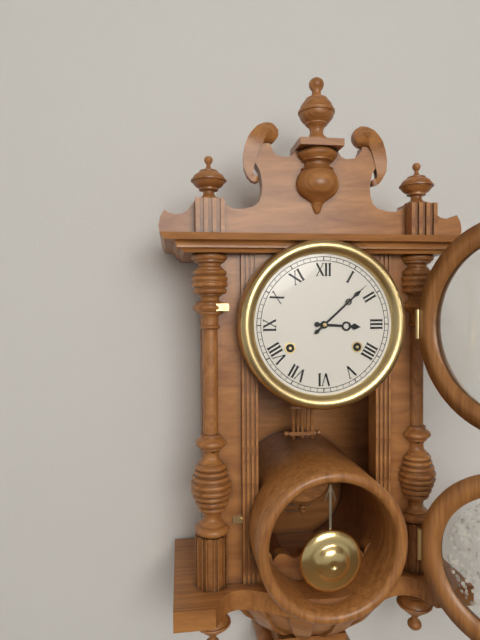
3 h 08 min
